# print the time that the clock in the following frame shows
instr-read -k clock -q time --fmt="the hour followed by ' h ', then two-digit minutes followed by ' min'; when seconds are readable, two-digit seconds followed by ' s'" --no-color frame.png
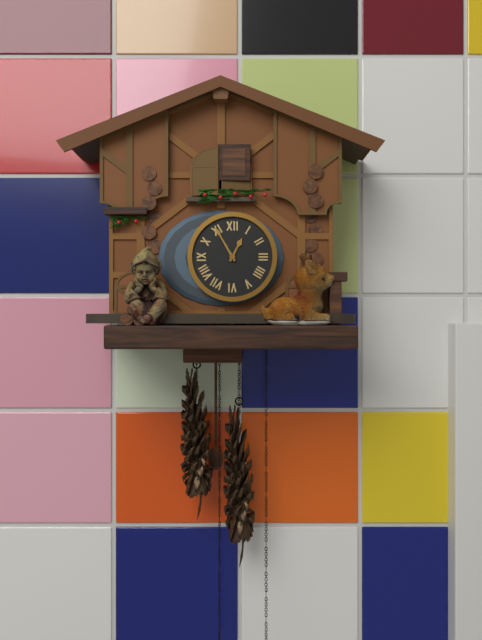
12 h 55 min
